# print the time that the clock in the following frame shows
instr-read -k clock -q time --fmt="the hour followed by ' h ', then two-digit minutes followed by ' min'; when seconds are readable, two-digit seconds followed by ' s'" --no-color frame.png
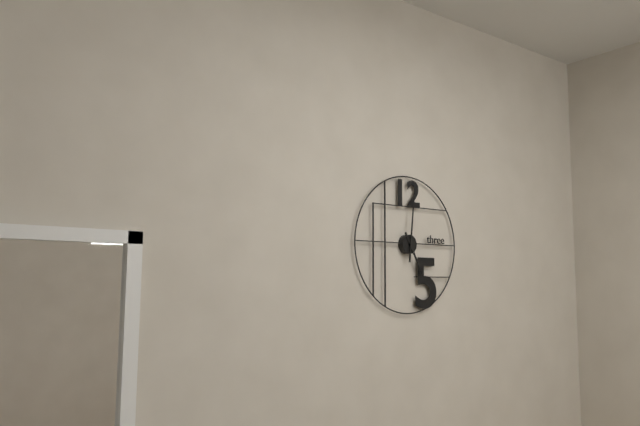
5 h 01 min
